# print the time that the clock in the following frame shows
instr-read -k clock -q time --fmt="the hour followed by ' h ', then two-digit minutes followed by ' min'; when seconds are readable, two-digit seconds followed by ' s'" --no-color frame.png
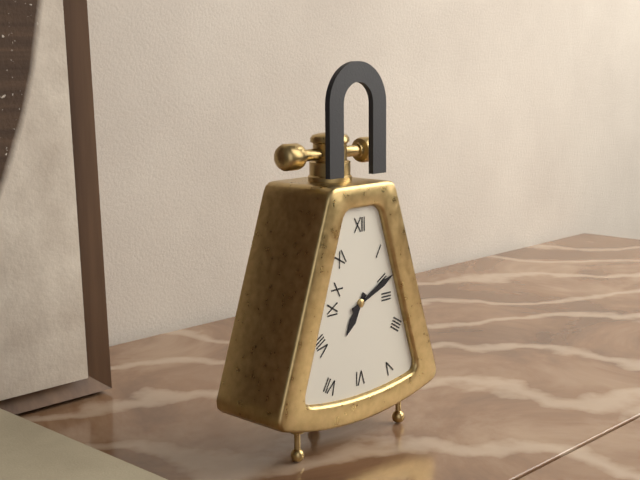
7 h 11 min
